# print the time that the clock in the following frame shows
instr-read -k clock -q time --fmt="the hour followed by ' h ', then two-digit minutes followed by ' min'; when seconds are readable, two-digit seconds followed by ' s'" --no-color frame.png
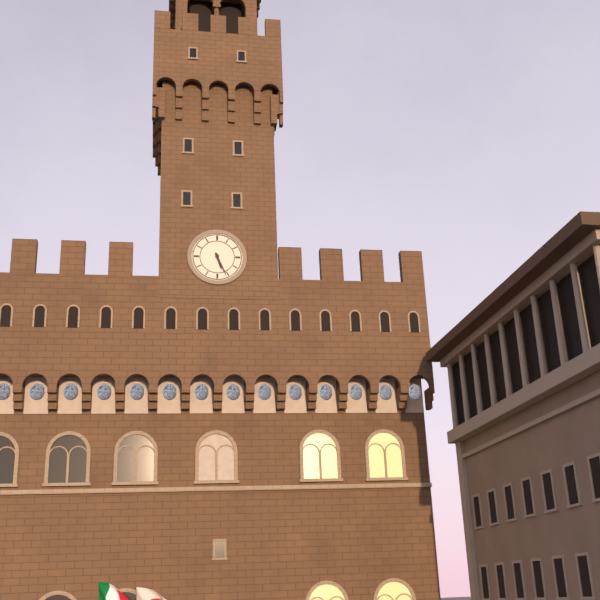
5 h 26 min
